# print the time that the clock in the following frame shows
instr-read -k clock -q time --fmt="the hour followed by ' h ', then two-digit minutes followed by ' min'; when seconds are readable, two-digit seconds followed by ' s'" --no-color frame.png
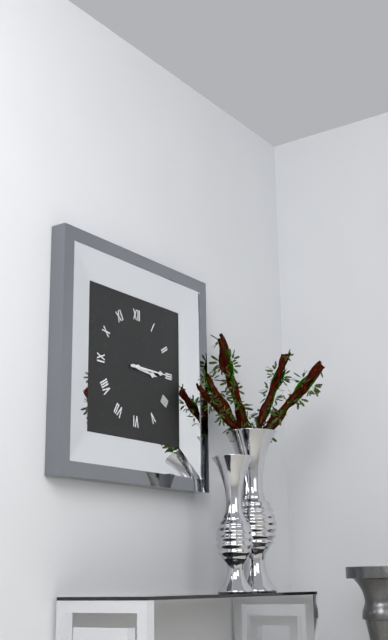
3 h 15 min
